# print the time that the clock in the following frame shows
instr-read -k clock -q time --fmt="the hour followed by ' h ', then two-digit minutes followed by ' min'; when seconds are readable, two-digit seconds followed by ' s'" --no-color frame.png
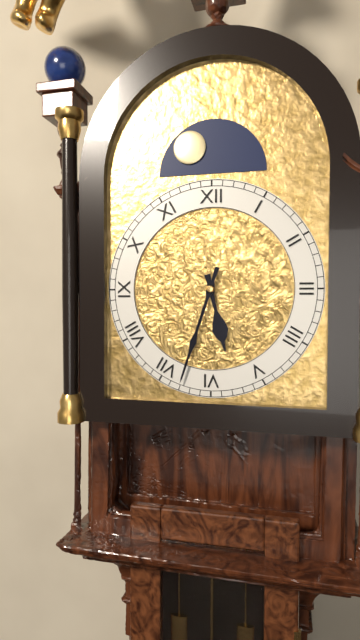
5 h 33 min
